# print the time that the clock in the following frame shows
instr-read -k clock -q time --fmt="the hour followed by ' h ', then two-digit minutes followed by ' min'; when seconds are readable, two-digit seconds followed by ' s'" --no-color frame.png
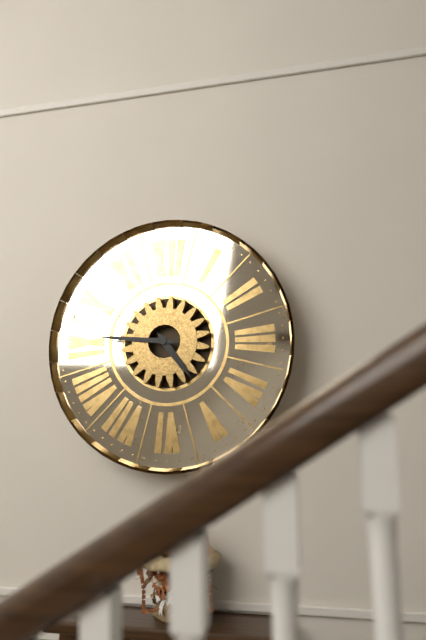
4 h 46 min
